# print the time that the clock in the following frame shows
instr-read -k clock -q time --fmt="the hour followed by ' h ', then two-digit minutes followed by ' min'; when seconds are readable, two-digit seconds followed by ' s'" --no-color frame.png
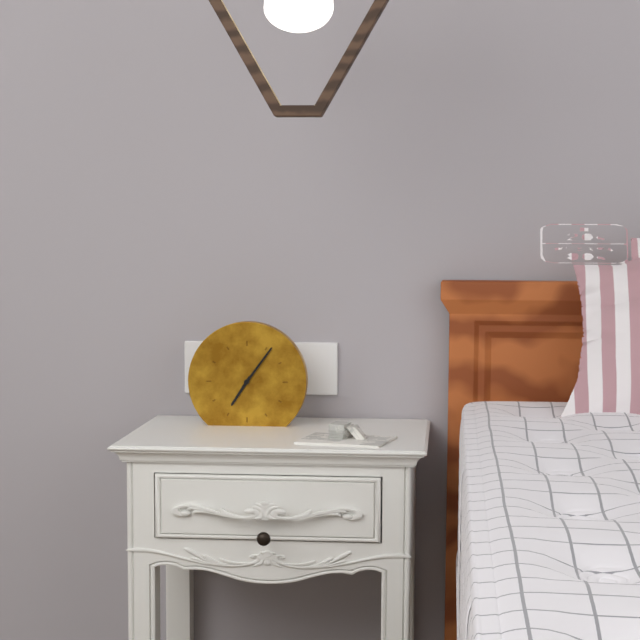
7 h 06 min
